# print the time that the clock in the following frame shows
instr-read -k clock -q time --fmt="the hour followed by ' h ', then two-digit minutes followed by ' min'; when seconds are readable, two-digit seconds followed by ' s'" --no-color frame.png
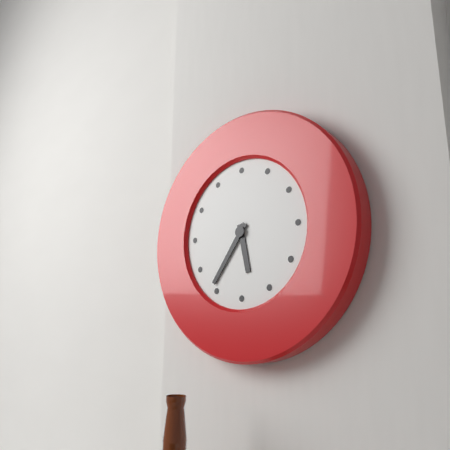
5 h 36 min
